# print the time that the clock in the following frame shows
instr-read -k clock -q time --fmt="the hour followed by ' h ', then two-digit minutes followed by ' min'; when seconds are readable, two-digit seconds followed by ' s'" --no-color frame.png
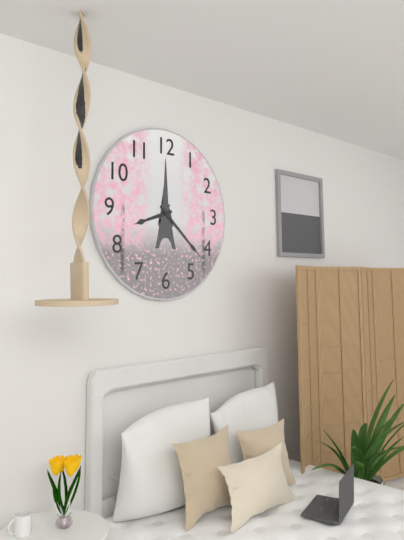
8 h 22 min
